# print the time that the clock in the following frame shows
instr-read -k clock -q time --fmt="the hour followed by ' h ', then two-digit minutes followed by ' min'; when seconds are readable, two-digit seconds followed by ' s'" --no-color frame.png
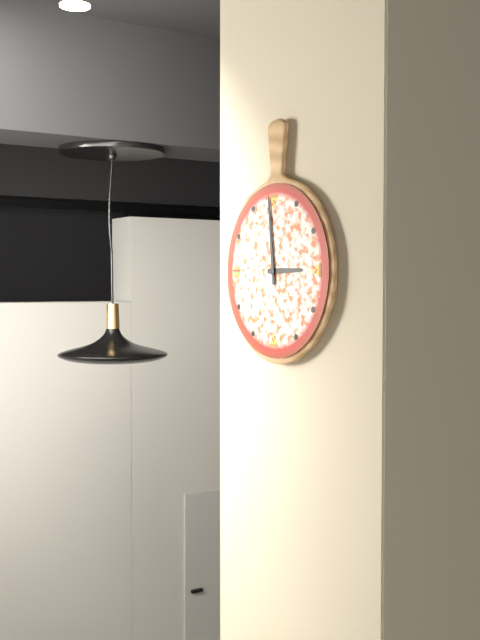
2 h 59 min
